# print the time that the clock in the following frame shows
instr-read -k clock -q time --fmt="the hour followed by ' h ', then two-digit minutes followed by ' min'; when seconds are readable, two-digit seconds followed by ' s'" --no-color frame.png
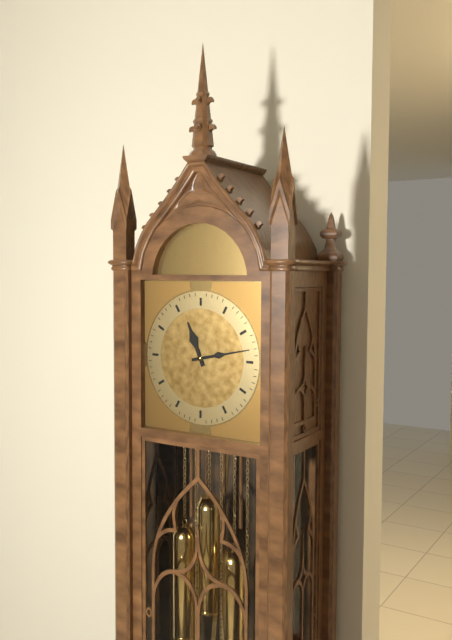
11 h 13 min
